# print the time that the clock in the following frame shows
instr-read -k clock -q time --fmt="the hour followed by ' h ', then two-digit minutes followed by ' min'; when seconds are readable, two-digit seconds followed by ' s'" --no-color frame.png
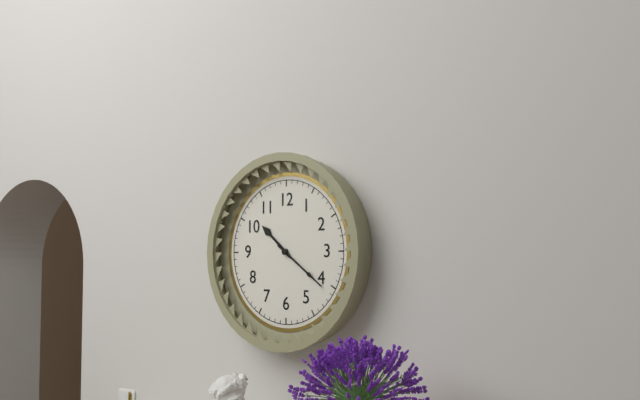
10 h 21 min
